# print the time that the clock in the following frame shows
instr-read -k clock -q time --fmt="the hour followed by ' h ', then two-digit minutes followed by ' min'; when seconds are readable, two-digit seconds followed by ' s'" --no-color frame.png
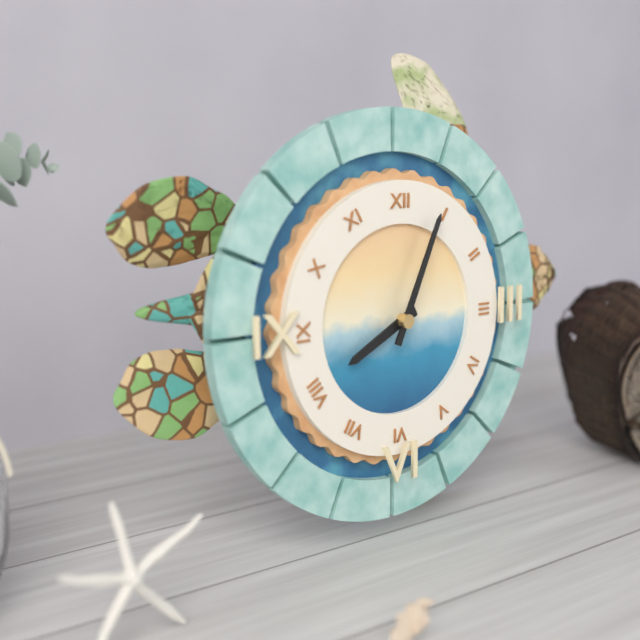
8 h 04 min
